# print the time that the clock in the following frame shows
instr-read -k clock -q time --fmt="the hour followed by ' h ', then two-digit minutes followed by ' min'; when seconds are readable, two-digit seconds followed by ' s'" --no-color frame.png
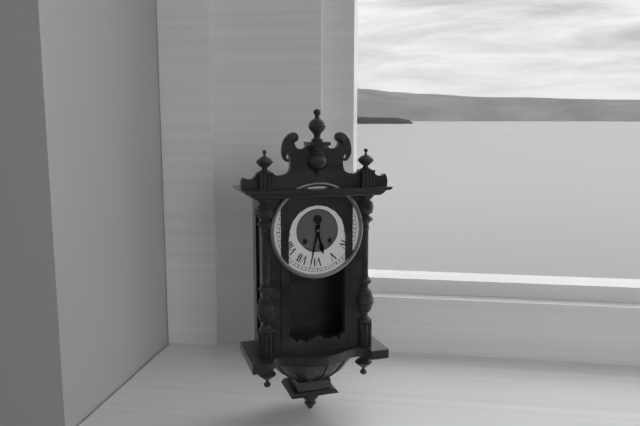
5 h 32 min
